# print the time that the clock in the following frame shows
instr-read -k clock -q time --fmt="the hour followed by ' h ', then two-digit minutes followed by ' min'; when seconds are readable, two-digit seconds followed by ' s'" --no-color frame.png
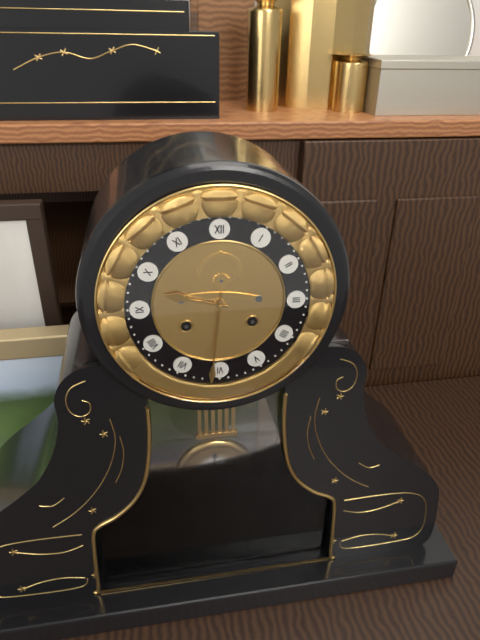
9 h 31 min
